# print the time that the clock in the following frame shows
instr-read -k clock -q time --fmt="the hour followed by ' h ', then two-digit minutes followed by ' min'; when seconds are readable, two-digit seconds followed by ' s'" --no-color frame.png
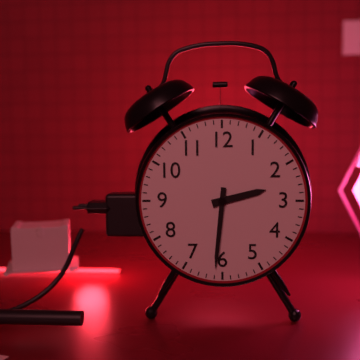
2 h 31 min
